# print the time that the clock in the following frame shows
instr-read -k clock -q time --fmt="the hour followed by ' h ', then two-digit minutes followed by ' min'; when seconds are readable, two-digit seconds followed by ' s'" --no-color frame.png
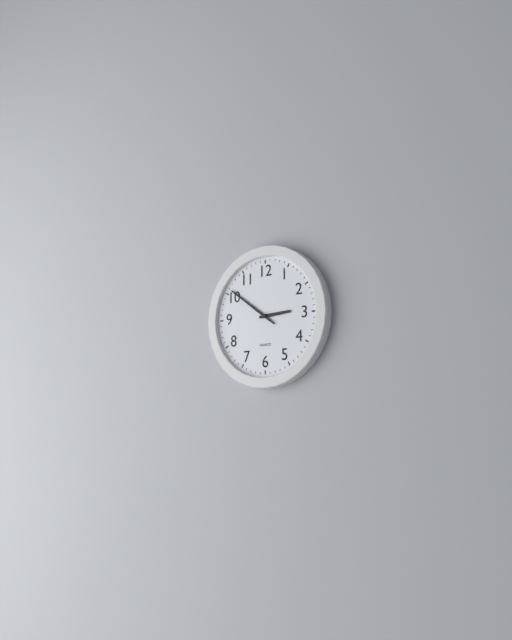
2 h 51 min
